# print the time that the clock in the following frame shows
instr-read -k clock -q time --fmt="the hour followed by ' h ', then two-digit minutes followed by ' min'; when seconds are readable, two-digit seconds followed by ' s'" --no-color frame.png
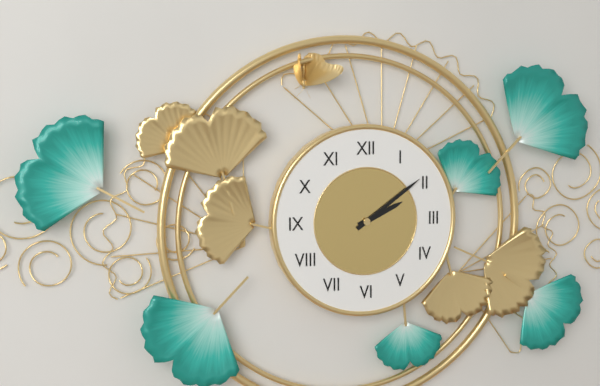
2 h 09 min
